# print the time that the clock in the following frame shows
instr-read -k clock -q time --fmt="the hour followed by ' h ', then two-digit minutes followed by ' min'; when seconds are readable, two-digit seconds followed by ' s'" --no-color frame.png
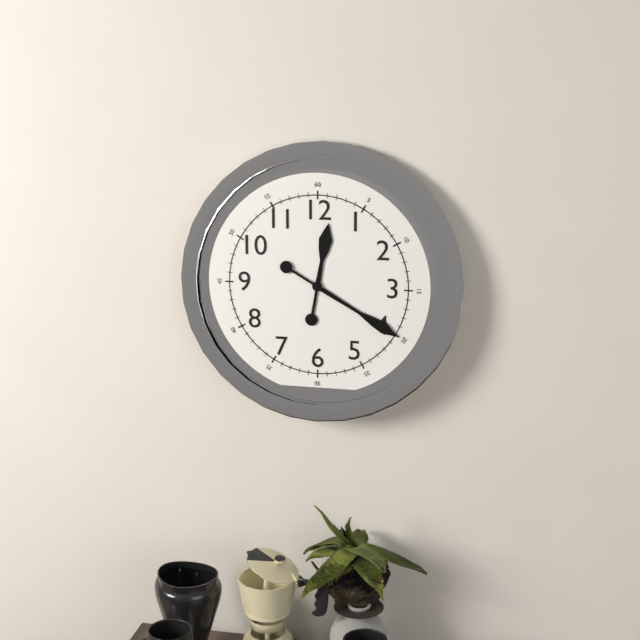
12 h 20 min
